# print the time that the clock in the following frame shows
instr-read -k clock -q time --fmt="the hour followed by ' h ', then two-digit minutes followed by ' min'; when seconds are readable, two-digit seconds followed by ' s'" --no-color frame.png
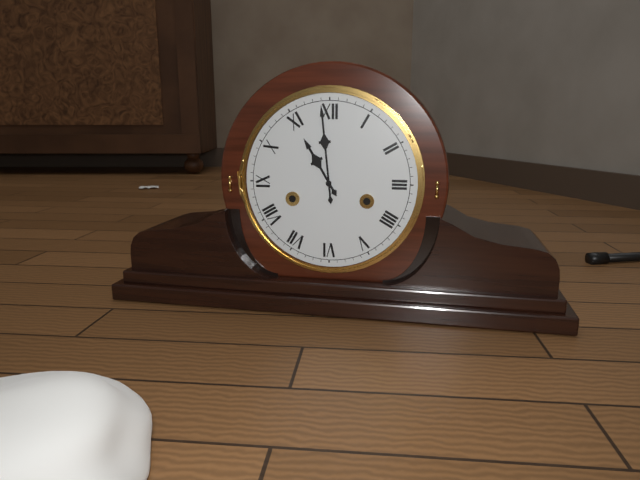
10 h 59 min
